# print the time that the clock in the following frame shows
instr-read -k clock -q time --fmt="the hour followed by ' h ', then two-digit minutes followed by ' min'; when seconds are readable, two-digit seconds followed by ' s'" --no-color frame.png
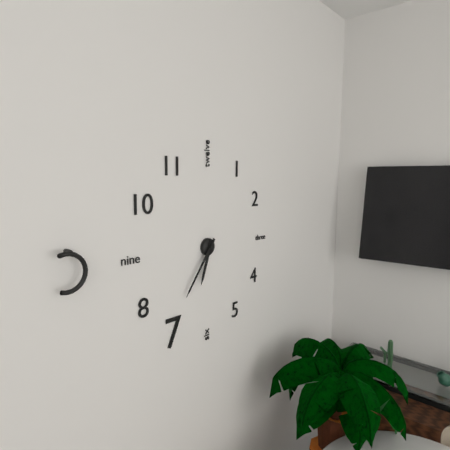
6 h 36 min
